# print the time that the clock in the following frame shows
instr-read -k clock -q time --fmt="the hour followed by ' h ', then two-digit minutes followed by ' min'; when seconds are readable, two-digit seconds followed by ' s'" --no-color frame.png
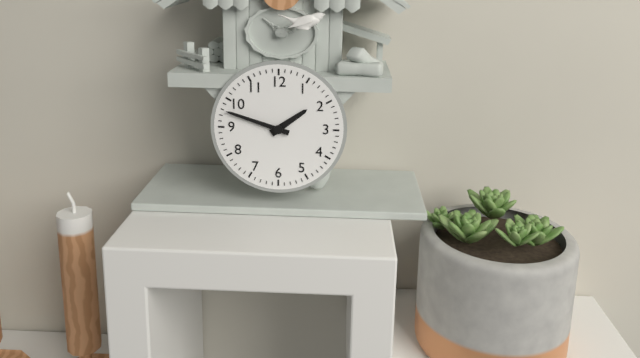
1 h 48 min
